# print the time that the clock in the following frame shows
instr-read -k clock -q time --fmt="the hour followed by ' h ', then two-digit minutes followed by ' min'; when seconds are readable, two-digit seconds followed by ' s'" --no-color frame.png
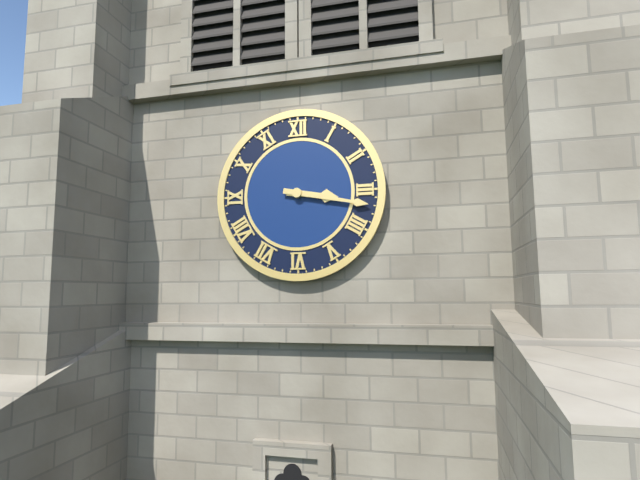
3 h 17 min
